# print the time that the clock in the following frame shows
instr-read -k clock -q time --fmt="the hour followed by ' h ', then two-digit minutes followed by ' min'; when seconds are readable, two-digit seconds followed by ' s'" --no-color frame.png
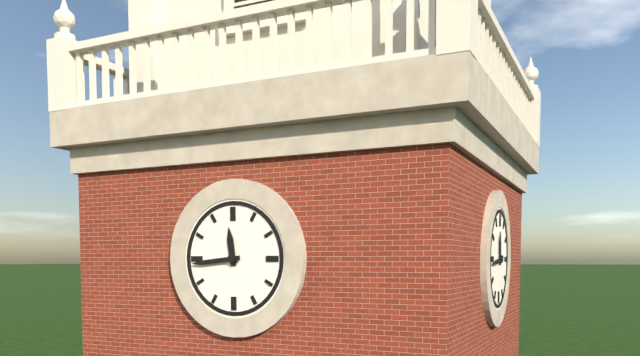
11 h 44 min
